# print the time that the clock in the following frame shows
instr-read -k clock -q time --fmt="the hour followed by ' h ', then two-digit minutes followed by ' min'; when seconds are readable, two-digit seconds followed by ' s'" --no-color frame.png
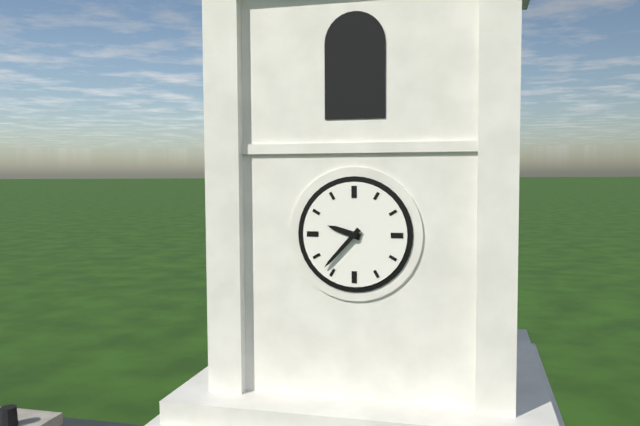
9 h 37 min
